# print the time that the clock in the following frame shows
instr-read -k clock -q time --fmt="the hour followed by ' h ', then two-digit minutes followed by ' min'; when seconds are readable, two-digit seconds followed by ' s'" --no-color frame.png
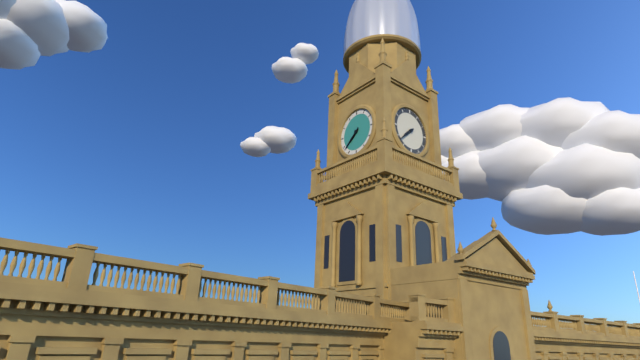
7 h 38 min
